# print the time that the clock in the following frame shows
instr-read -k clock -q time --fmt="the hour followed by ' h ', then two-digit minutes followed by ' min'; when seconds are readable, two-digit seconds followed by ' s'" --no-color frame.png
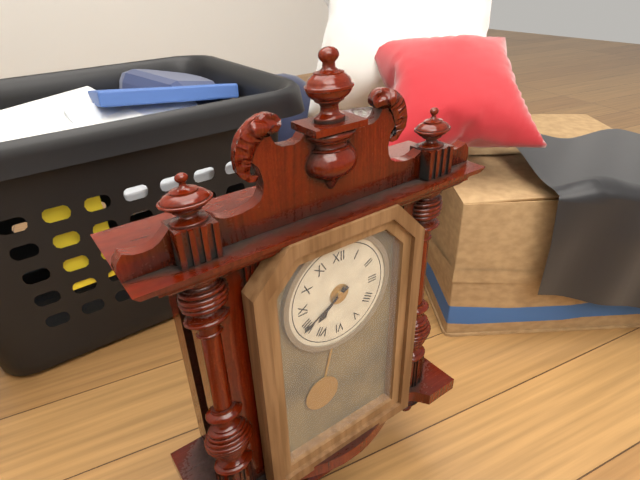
7 h 40 min
